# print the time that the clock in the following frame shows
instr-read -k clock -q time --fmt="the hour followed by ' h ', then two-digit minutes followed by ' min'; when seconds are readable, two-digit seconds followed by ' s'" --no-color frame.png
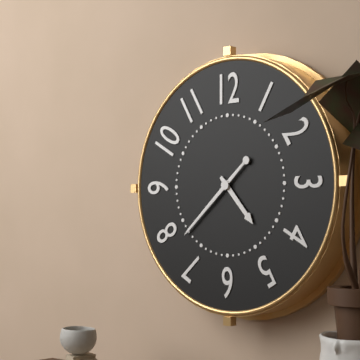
4 h 38 min
